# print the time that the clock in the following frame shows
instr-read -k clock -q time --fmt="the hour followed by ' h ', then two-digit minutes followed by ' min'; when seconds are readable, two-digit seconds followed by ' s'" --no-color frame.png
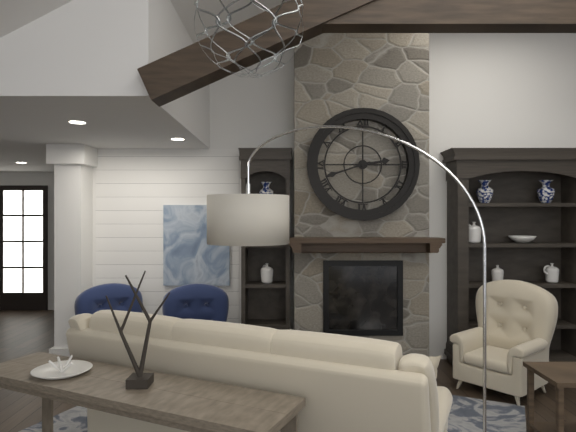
2 h 42 min
